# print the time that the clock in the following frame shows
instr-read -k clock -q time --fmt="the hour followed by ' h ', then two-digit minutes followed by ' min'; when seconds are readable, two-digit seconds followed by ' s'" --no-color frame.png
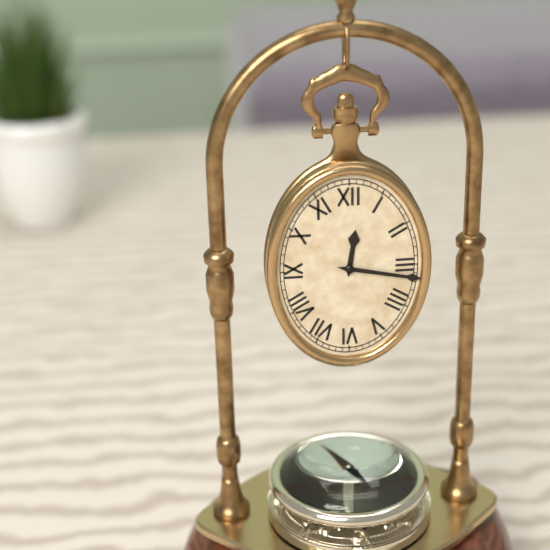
12 h 17 min
